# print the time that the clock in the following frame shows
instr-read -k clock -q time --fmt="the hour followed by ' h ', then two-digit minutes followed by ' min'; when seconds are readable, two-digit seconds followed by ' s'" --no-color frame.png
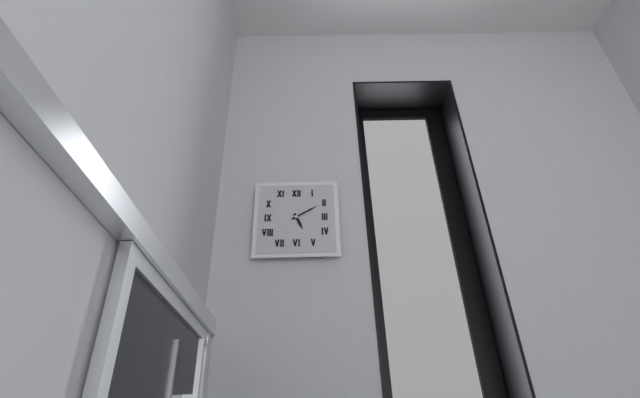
5 h 10 min
